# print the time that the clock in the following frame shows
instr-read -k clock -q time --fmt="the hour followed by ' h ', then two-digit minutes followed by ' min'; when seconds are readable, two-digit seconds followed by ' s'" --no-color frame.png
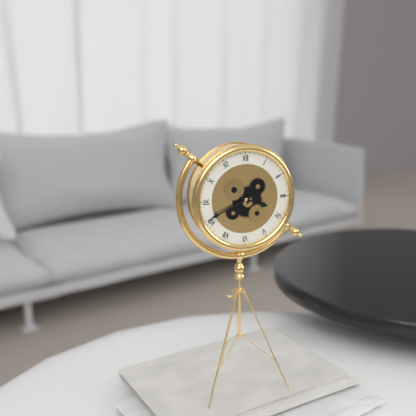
3 h 41 min
